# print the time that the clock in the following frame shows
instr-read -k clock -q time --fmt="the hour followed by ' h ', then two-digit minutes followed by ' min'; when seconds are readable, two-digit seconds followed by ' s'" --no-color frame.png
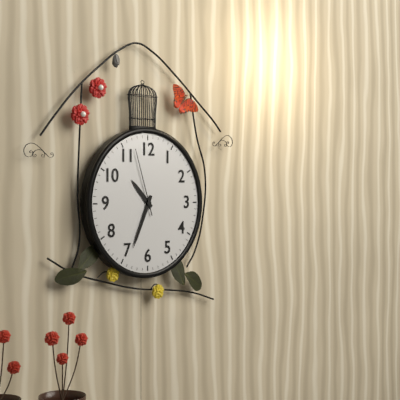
10 h 34 min 57 s
